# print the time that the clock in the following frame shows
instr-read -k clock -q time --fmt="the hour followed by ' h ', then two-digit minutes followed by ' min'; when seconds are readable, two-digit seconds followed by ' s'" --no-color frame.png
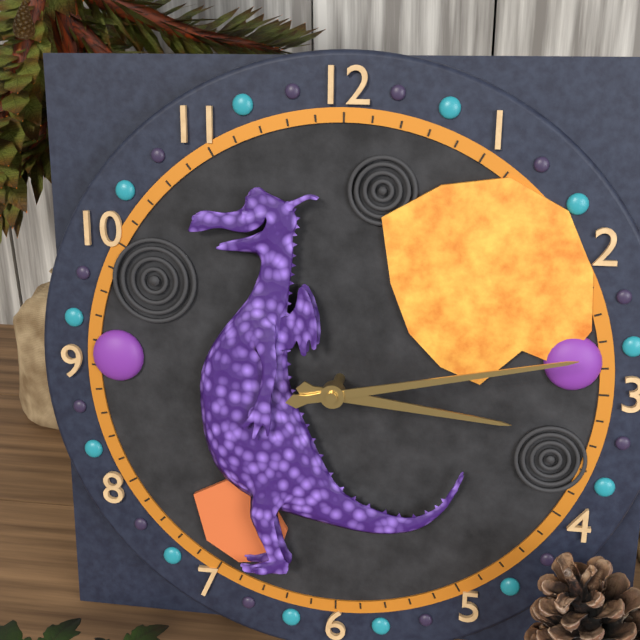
3 h 13 min
